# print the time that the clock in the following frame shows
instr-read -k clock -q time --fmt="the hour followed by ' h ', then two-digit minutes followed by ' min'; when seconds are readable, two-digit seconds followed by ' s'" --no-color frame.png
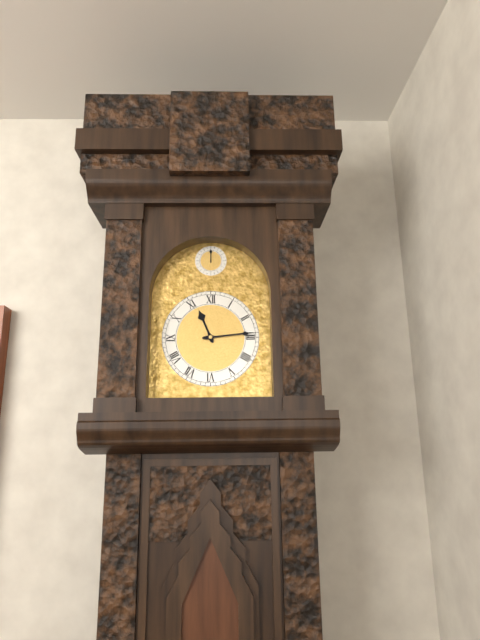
11 h 14 min
